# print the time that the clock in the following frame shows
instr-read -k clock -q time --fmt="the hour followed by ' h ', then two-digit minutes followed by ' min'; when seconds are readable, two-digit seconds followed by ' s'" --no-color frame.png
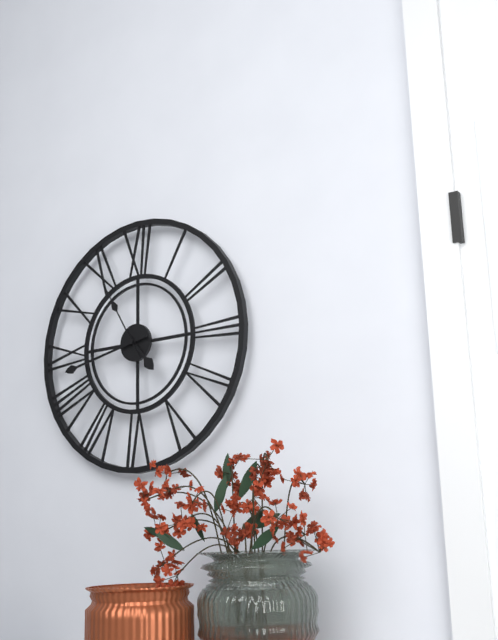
4 h 43 min 55 s
